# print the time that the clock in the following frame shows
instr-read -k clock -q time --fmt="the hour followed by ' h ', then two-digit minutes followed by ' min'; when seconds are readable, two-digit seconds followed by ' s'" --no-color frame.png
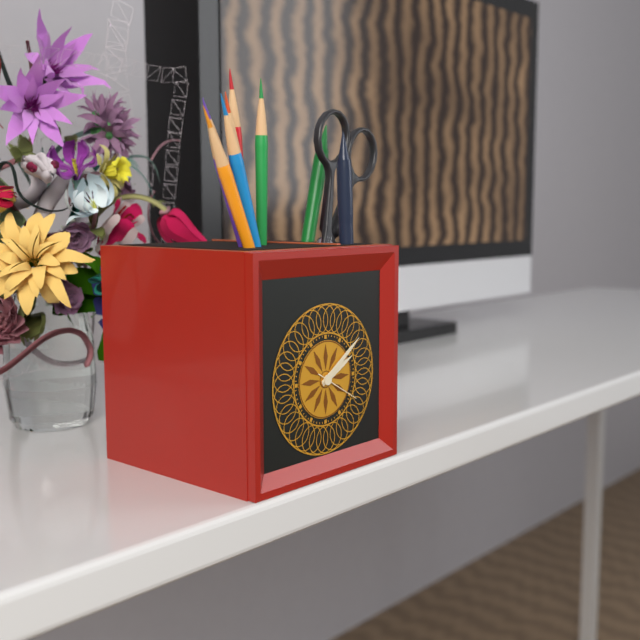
2 h 09 min
